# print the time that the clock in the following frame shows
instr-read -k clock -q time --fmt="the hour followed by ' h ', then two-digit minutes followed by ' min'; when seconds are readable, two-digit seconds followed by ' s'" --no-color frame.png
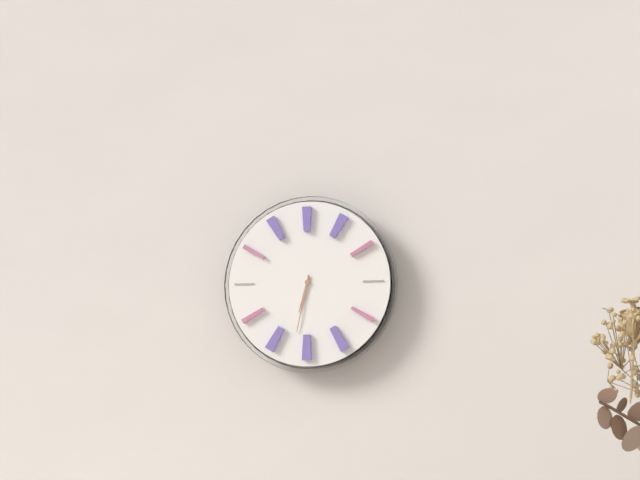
6 h 32 min
